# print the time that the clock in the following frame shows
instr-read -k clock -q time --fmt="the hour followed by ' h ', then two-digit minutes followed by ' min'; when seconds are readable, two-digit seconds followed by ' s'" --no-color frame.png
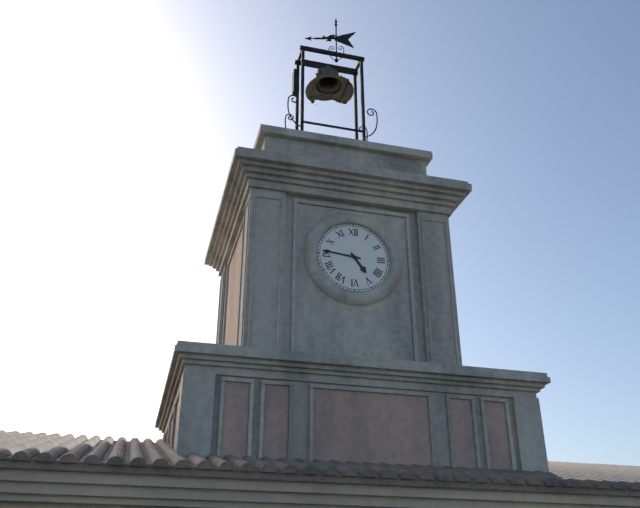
4 h 46 min
